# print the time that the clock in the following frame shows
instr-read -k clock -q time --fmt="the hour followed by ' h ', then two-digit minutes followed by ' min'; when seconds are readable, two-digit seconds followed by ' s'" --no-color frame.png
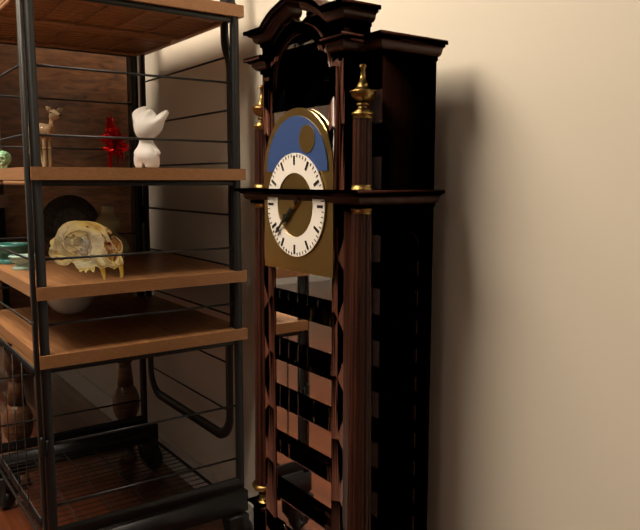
7 h 38 min
